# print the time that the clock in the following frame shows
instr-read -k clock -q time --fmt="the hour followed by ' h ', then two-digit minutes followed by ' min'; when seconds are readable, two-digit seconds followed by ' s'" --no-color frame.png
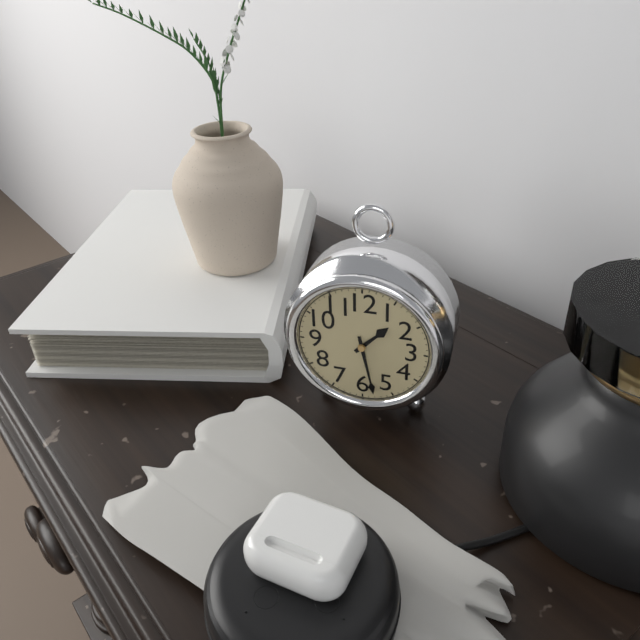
1 h 28 min
